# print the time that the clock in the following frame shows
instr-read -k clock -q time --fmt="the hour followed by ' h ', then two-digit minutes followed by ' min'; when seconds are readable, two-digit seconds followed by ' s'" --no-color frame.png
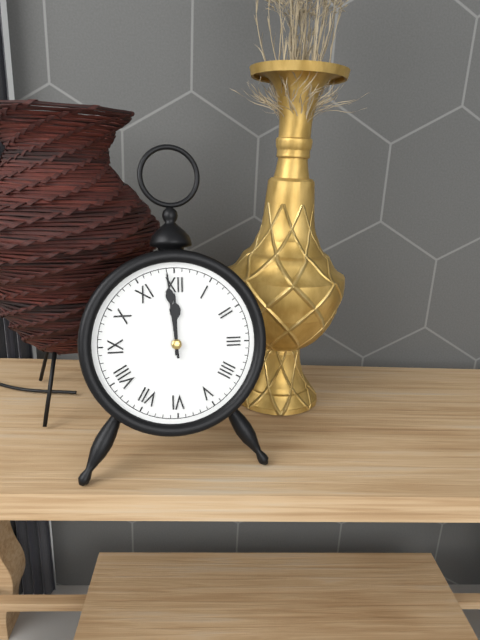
11 h 59 min
